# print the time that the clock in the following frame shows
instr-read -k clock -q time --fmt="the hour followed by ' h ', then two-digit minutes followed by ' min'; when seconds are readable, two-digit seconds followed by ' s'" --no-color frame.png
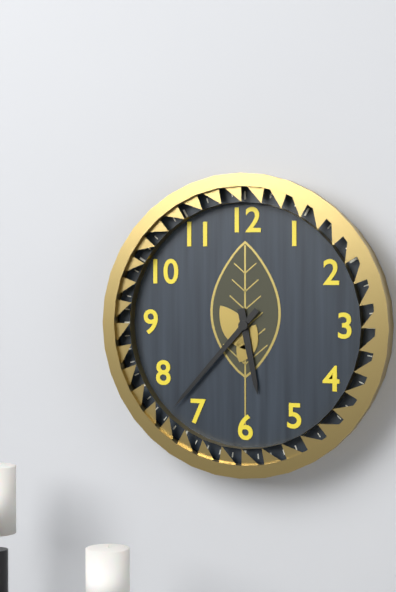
5 h 37 min
